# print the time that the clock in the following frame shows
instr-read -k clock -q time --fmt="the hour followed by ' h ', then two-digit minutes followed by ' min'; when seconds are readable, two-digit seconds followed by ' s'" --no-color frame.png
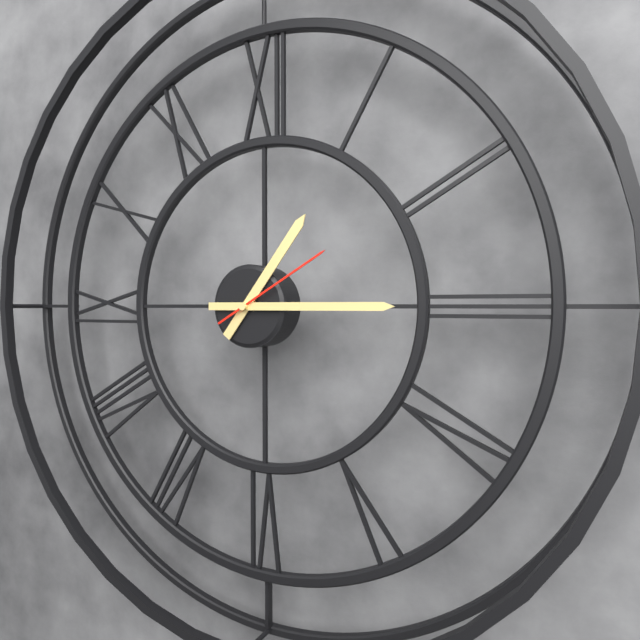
1 h 15 min 10 s
